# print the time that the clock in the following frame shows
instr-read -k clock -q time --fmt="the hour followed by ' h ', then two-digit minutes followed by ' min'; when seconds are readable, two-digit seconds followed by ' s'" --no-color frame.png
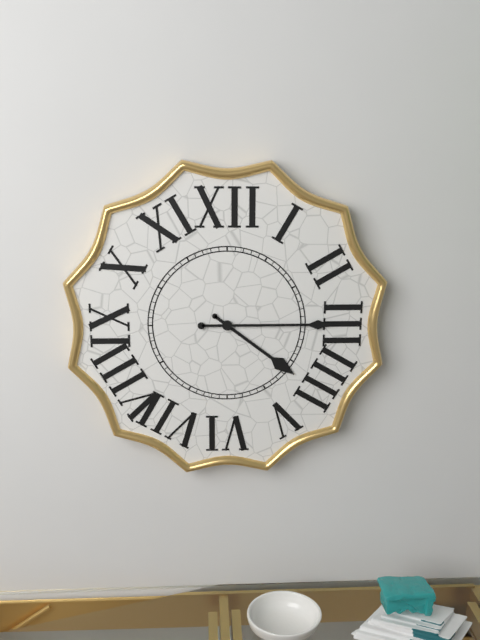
4 h 15 min
